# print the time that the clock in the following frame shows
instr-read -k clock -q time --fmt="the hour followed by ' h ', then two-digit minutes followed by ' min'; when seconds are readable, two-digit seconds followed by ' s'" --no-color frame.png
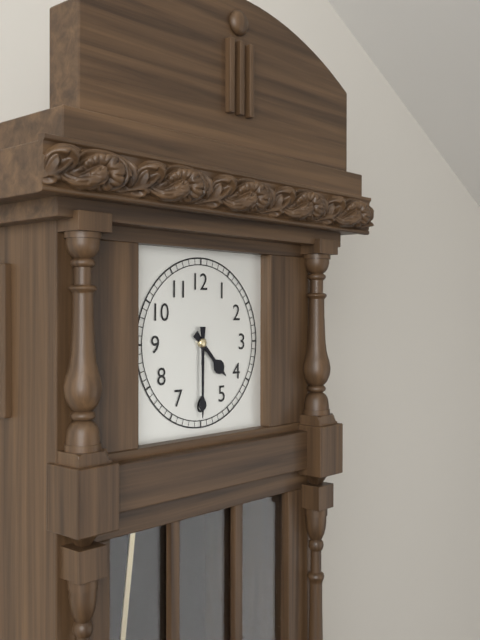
4 h 30 min
